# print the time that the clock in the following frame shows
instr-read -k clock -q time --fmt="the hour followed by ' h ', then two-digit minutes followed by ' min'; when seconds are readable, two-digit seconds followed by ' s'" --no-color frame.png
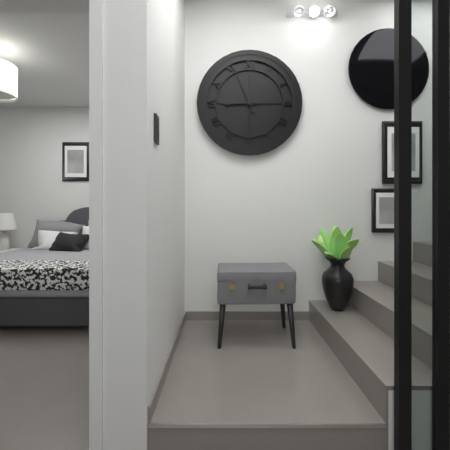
8 h 56 min
